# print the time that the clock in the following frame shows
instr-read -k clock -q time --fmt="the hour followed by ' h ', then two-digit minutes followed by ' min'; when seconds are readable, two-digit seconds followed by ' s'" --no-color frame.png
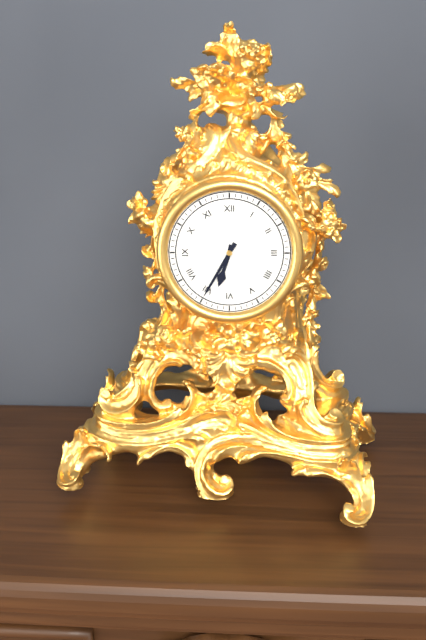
6 h 35 min
